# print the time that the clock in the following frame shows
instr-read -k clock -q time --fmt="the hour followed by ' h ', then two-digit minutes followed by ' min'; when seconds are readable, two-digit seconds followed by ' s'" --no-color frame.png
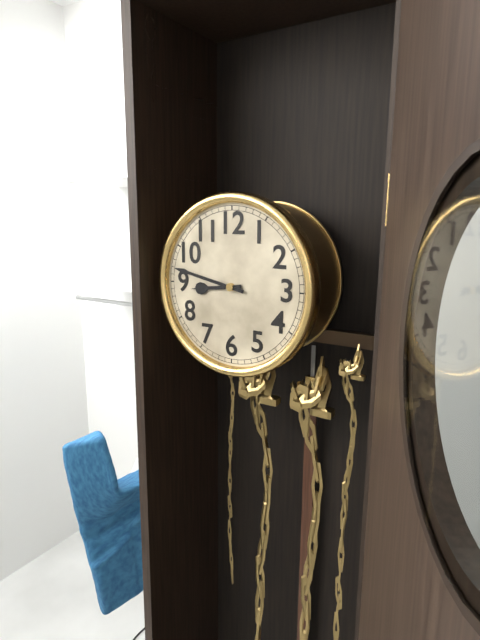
8 h 47 min
